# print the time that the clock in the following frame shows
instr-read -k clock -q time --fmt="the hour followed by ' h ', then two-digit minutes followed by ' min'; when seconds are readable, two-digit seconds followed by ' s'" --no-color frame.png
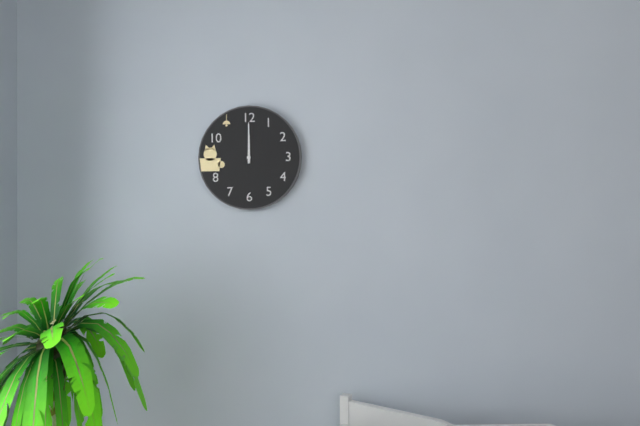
12 h 00 min
